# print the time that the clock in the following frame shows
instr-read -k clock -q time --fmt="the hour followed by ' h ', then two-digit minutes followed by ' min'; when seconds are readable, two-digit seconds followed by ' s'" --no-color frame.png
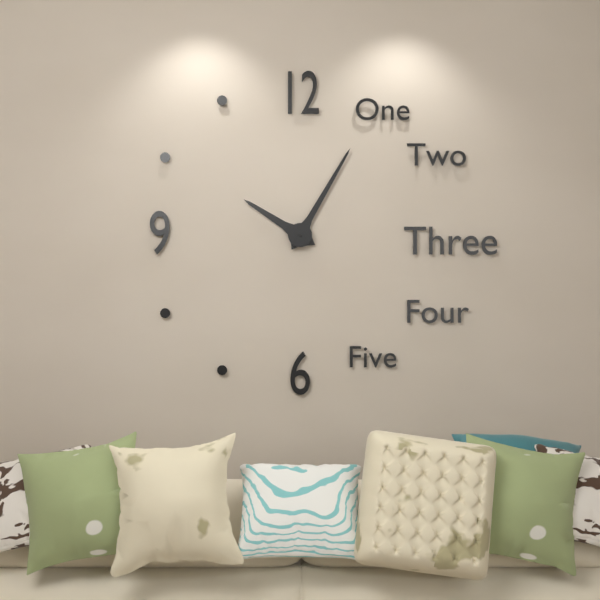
10 h 05 min
